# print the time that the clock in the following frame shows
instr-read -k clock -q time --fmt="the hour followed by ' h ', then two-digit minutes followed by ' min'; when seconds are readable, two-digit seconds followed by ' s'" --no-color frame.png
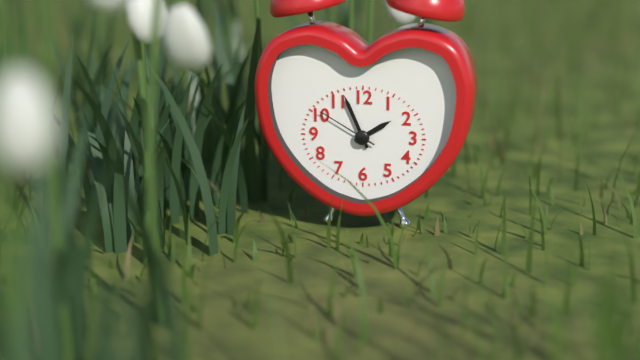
1 h 56 min 50 s
